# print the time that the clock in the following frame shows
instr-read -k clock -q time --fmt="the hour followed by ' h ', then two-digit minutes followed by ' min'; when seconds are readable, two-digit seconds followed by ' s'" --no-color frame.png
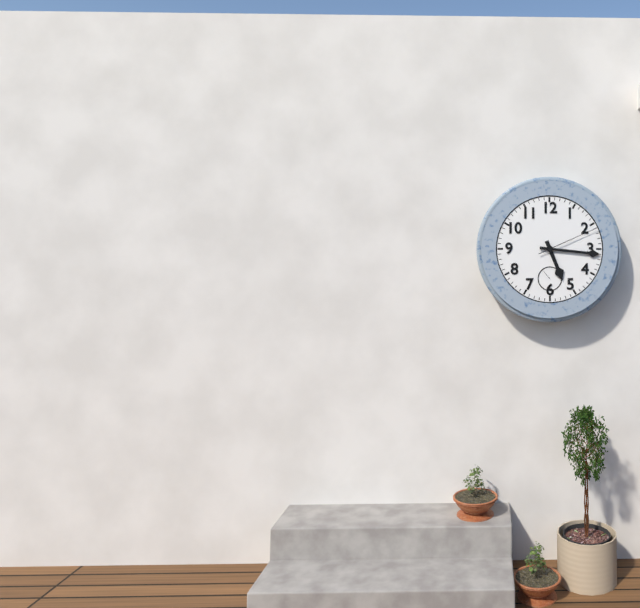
5 h 16 min 11 s
